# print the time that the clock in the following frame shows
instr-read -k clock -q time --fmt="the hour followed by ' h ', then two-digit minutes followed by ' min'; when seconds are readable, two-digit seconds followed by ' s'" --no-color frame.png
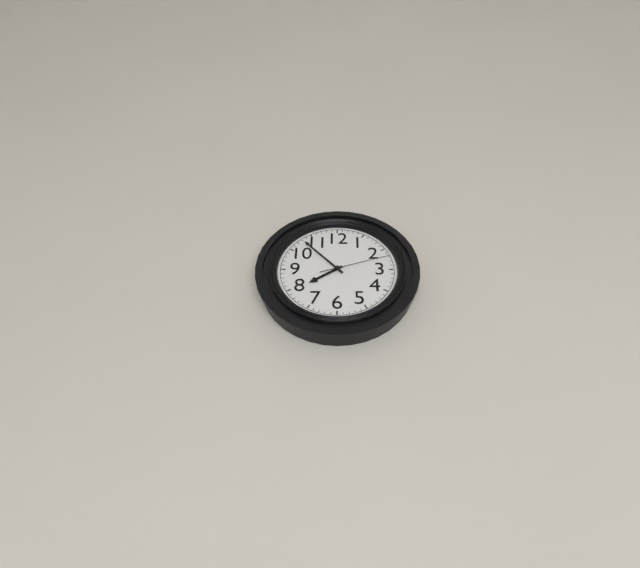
7 h 53 min 12 s
